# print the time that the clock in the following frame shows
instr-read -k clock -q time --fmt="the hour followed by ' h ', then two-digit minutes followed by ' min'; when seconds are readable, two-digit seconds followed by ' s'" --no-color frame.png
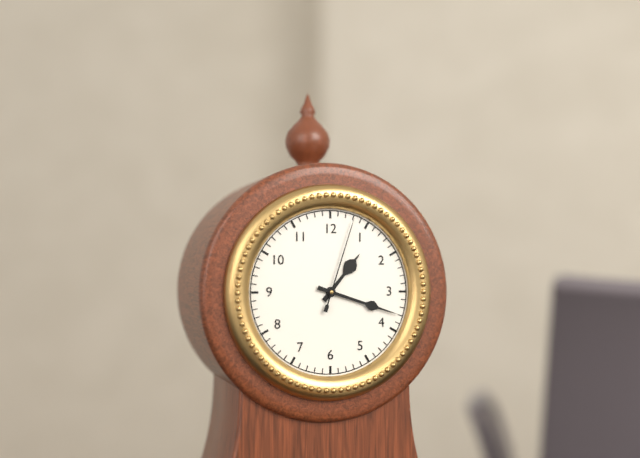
1 h 18 min 03 s
